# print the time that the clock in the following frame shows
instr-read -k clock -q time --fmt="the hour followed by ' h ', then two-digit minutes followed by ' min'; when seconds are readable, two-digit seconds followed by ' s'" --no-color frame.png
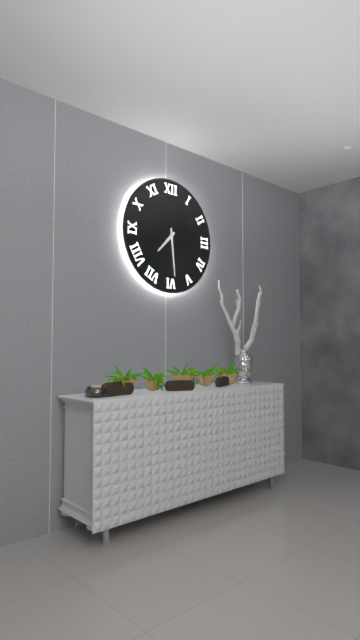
7 h 29 min
